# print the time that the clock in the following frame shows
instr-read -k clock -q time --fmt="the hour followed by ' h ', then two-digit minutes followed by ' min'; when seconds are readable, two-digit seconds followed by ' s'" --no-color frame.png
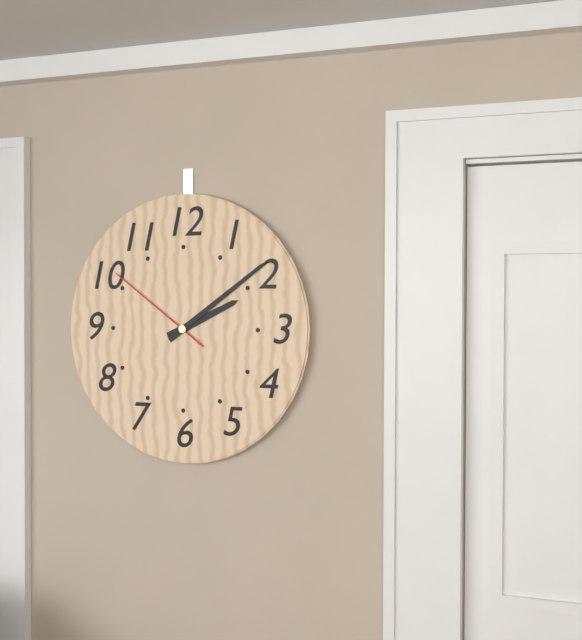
2 h 09 min 51 s
